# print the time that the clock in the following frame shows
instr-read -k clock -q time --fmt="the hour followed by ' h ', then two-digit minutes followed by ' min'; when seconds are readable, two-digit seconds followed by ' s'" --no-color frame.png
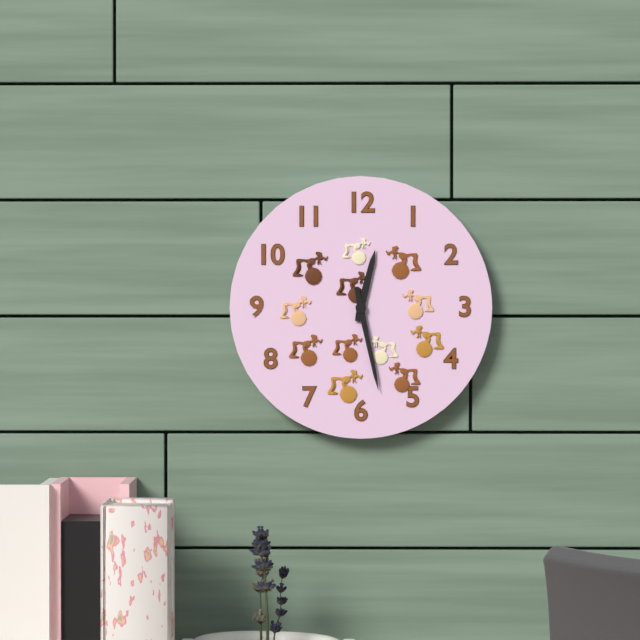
12 h 28 min
